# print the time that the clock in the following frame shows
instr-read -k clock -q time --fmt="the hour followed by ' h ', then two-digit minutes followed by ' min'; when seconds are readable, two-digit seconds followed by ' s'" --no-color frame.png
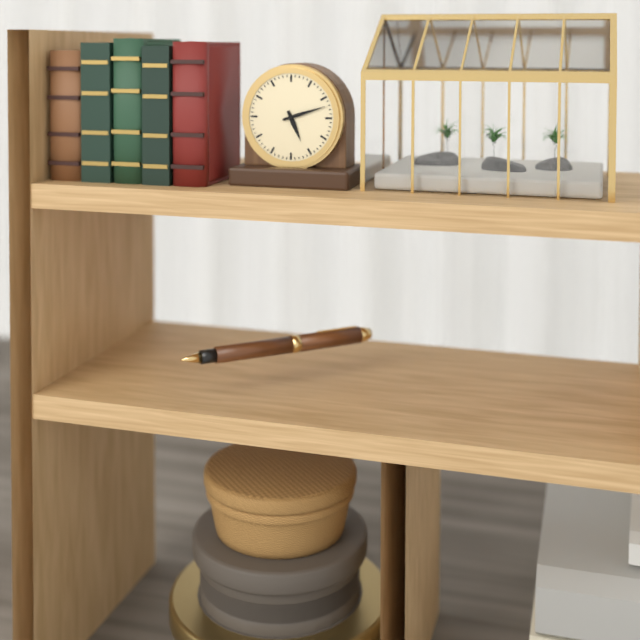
5 h 12 min
